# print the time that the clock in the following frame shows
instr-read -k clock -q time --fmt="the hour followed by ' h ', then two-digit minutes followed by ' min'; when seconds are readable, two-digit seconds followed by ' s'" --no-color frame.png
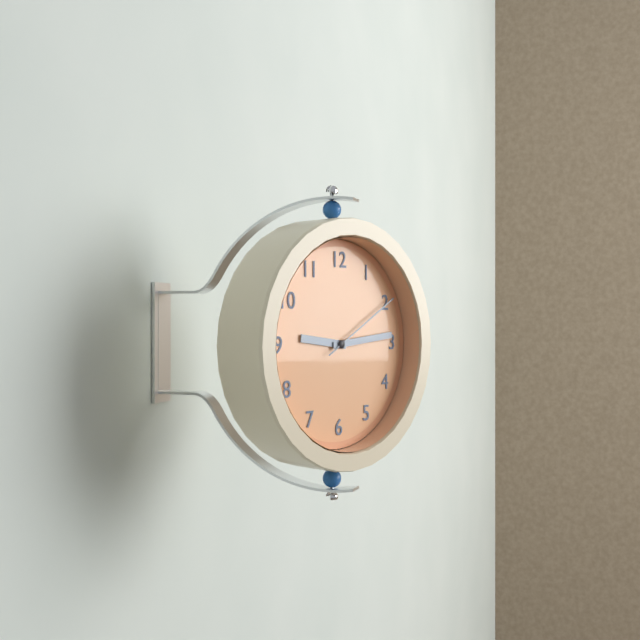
9 h 14 min 10 s
